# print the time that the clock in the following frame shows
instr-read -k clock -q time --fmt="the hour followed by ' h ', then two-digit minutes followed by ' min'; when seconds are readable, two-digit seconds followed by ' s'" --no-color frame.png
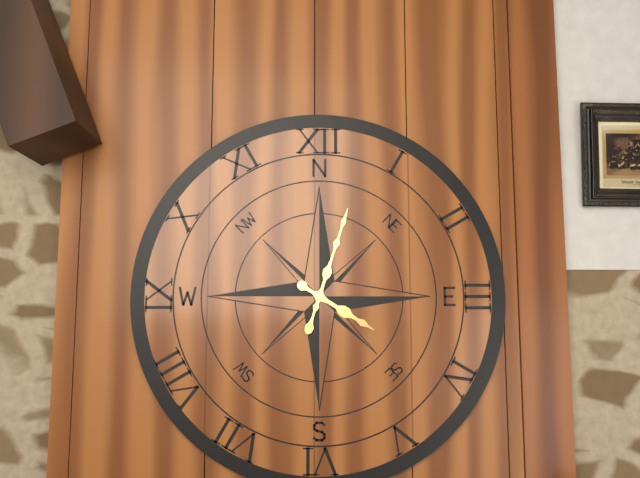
4 h 03 min
